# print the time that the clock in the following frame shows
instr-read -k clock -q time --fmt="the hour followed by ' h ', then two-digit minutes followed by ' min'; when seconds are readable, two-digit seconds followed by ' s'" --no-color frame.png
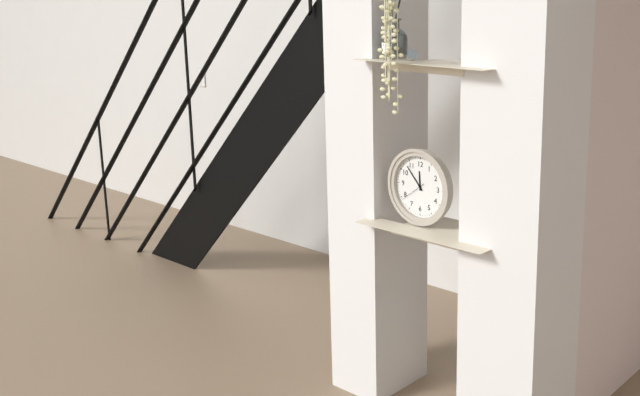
11 h 53 min
